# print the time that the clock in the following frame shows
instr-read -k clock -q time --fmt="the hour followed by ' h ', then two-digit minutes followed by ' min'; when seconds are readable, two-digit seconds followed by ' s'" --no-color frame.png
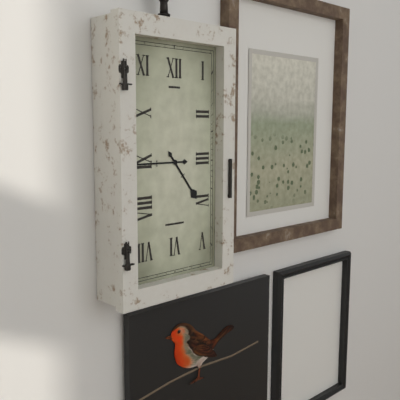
4 h 45 min
